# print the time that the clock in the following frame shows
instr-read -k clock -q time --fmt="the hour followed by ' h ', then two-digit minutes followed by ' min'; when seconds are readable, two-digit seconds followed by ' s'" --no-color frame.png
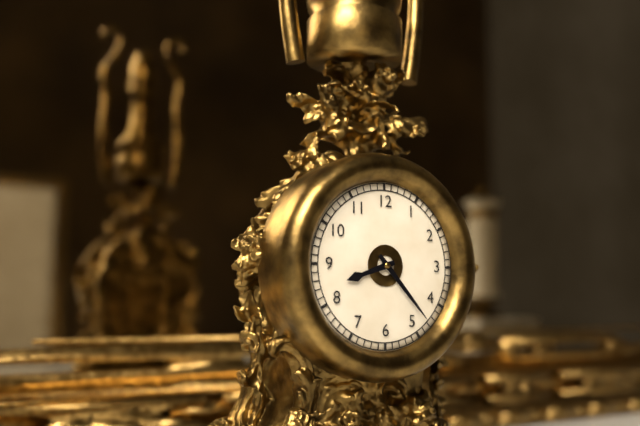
8 h 23 min
